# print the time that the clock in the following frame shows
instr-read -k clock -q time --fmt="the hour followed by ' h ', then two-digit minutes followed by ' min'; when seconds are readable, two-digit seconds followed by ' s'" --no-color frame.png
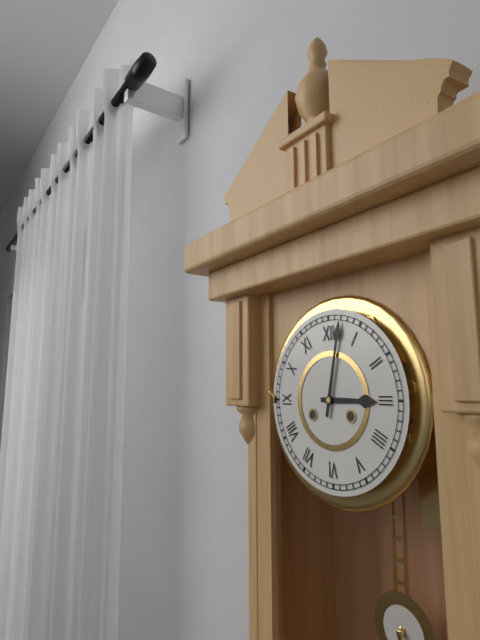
3 h 02 min
